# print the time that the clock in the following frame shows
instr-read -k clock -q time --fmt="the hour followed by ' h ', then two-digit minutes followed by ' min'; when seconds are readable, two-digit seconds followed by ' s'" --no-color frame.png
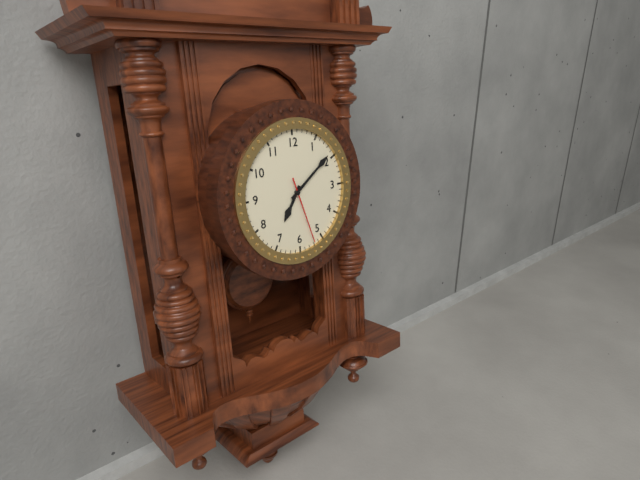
7 h 09 min 27 s
